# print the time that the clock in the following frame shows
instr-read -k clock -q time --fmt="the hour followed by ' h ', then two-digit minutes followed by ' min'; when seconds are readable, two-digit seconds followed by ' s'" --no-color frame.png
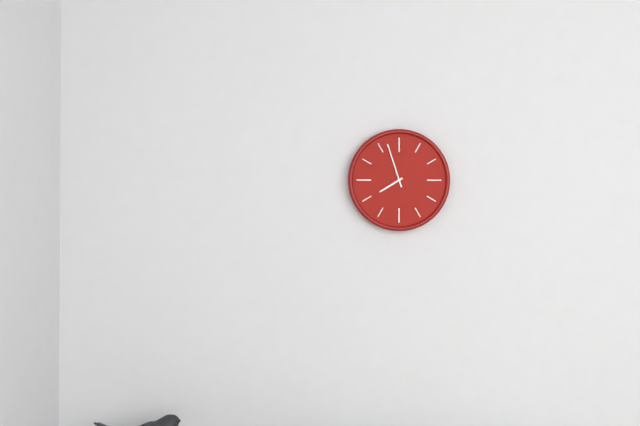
7 h 57 min
